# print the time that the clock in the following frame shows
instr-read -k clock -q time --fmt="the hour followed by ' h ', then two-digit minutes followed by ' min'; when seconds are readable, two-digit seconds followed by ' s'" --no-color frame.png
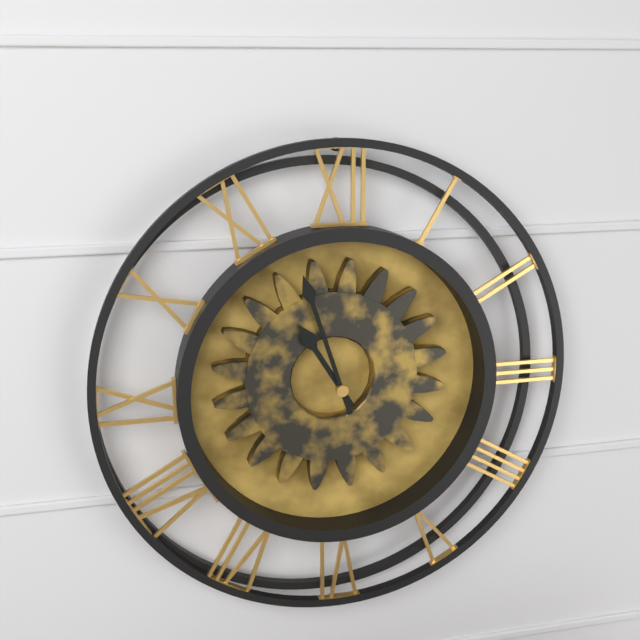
10 h 57 min
